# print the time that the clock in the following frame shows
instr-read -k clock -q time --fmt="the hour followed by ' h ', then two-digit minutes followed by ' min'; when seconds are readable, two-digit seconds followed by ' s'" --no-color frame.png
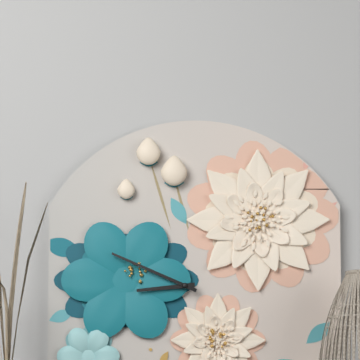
8 h 49 min
